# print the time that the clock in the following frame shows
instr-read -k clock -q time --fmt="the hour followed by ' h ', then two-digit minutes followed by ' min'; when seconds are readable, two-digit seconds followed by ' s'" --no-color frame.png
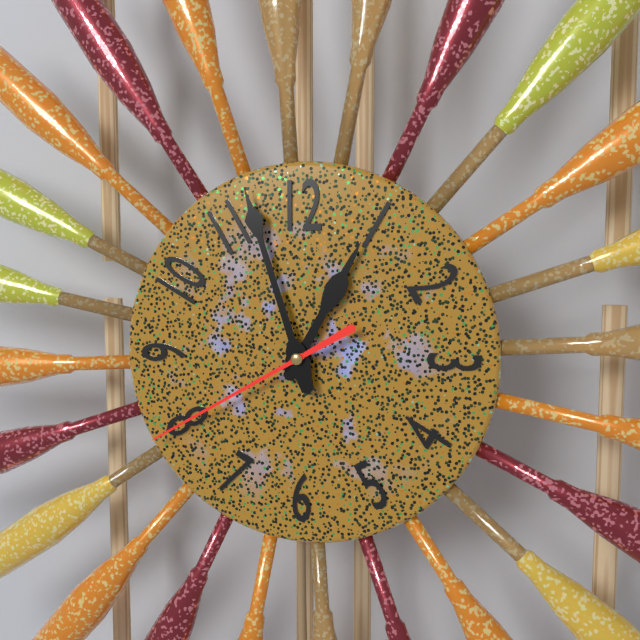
12 h 57 min 40 s
